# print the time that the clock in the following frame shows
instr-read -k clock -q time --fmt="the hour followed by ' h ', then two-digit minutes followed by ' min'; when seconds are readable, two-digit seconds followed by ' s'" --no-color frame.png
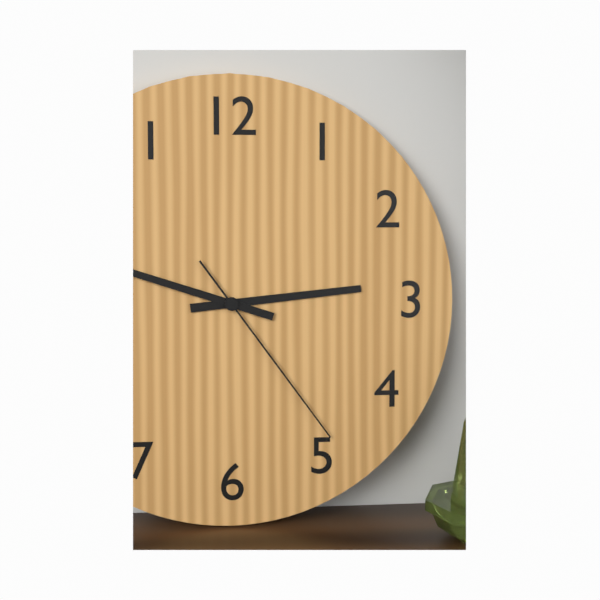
2 h 48 min 24 s
